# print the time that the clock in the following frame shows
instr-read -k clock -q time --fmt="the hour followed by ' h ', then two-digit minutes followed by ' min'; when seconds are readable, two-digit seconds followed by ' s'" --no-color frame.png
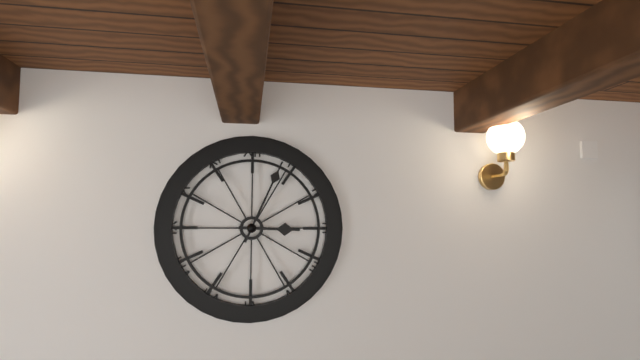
3 h 04 min
